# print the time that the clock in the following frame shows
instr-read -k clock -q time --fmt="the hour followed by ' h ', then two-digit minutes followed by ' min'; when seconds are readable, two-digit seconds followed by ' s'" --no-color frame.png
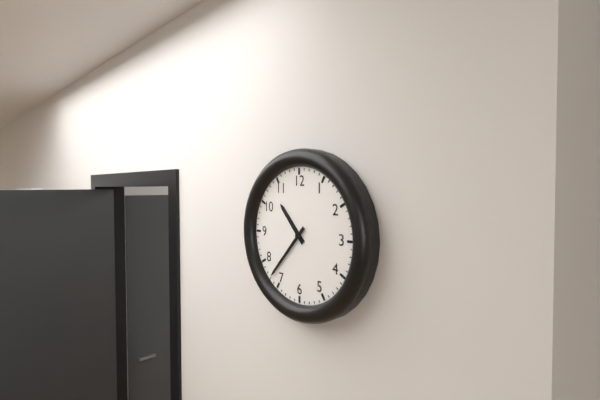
10 h 37 min
